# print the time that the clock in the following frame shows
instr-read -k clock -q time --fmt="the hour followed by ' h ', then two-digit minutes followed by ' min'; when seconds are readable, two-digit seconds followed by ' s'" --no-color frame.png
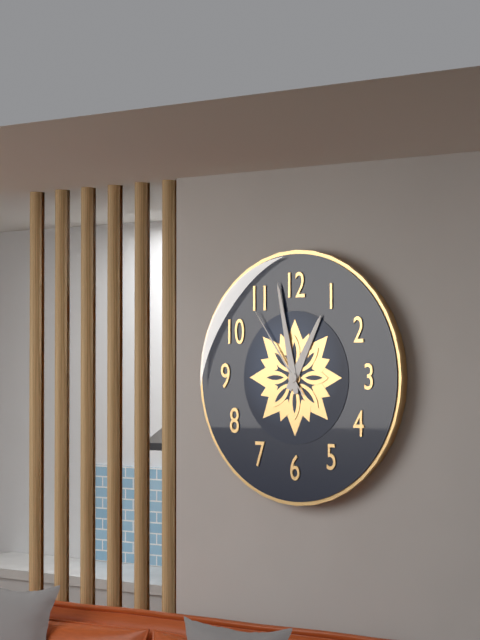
12 h 58 min 54 s
